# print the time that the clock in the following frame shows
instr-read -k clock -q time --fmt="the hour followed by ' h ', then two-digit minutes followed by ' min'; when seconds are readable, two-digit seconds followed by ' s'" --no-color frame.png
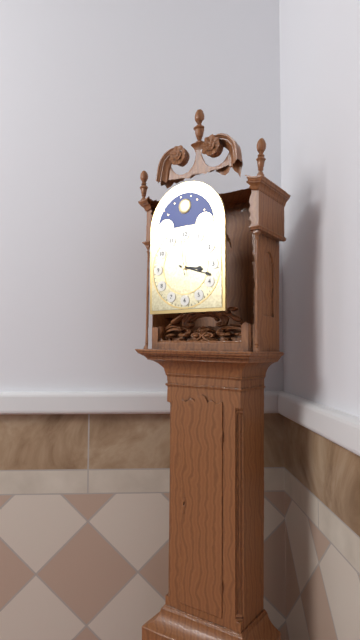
3 h 18 min
